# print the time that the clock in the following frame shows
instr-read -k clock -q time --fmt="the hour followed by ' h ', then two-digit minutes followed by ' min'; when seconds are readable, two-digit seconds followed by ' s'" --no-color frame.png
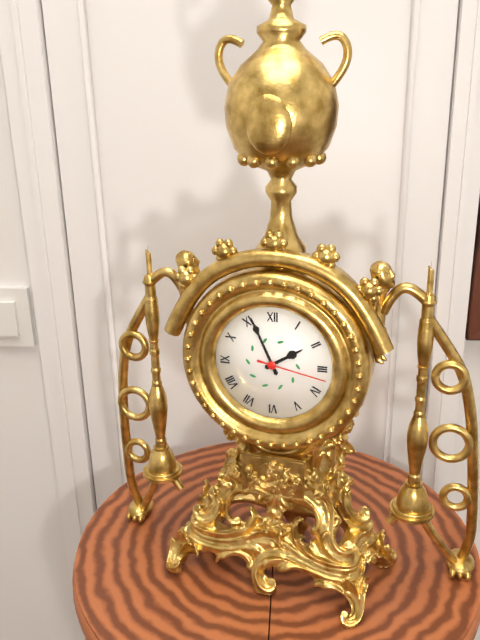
1 h 56 min 17 s
